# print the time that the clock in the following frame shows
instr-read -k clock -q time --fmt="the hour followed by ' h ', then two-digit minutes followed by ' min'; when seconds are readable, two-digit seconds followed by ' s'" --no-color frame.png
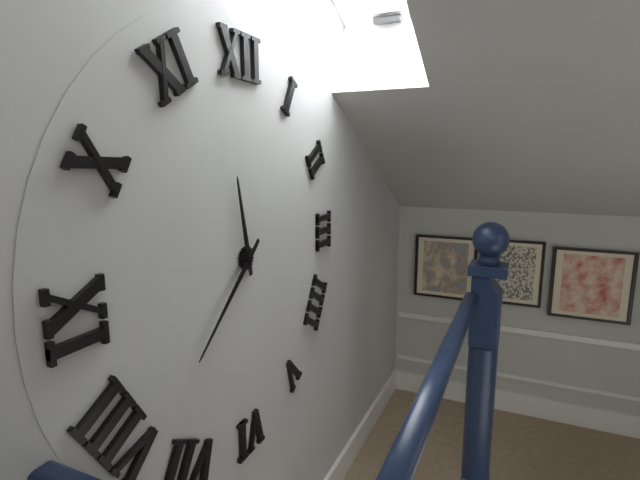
11 h 38 min
